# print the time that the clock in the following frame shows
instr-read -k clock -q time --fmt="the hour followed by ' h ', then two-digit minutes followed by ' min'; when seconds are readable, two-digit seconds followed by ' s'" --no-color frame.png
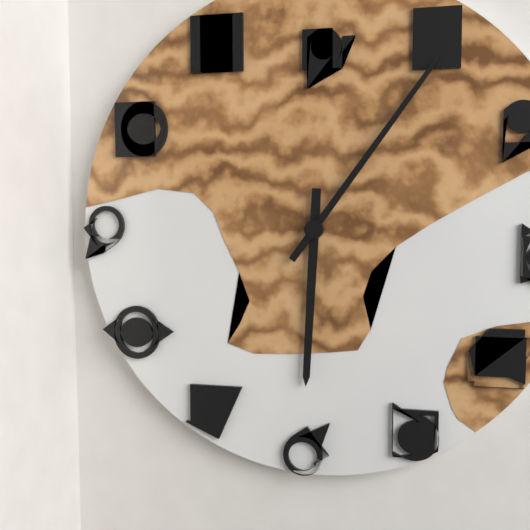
6 h 06 min
